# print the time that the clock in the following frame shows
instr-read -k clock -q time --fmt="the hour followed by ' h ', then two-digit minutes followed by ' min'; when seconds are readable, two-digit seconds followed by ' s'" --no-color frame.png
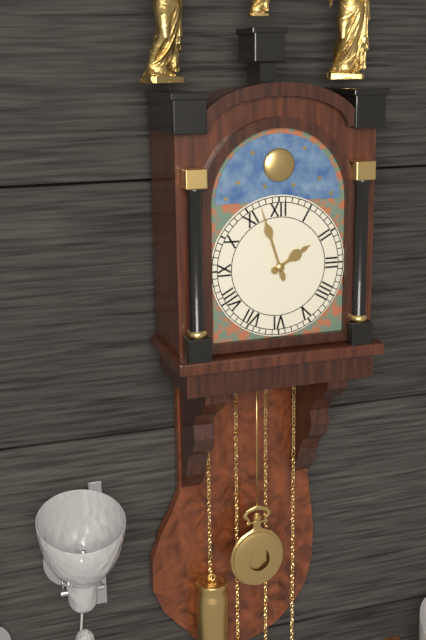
1 h 57 min
